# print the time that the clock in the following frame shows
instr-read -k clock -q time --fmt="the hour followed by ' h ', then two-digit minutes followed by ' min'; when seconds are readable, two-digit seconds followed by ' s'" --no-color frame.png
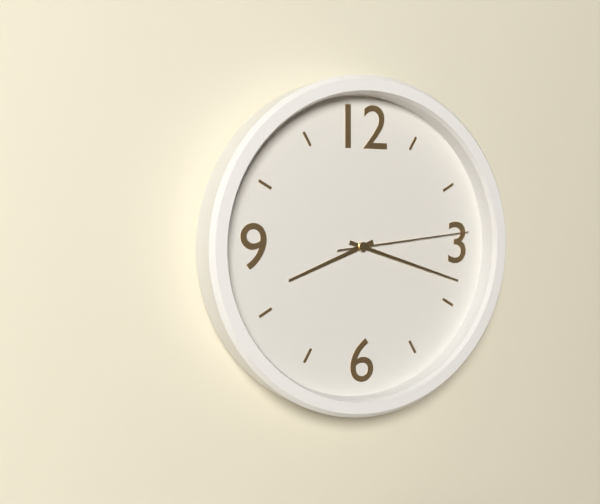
8 h 18 min 14 s
